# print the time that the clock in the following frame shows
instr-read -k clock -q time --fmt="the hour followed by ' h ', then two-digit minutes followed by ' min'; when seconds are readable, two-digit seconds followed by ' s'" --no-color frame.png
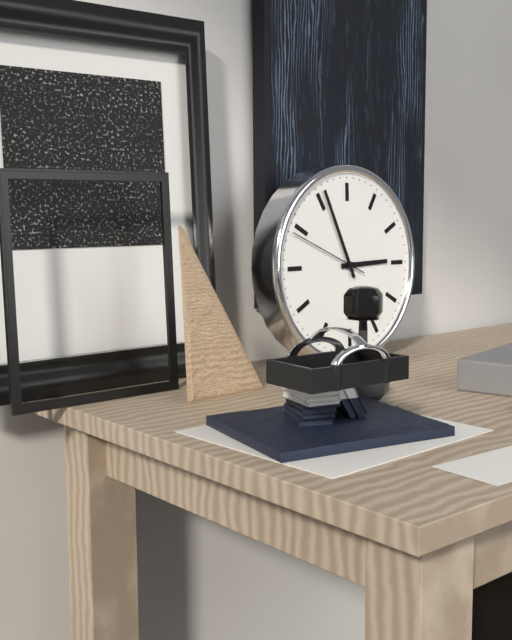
2 h 56 min 49 s
